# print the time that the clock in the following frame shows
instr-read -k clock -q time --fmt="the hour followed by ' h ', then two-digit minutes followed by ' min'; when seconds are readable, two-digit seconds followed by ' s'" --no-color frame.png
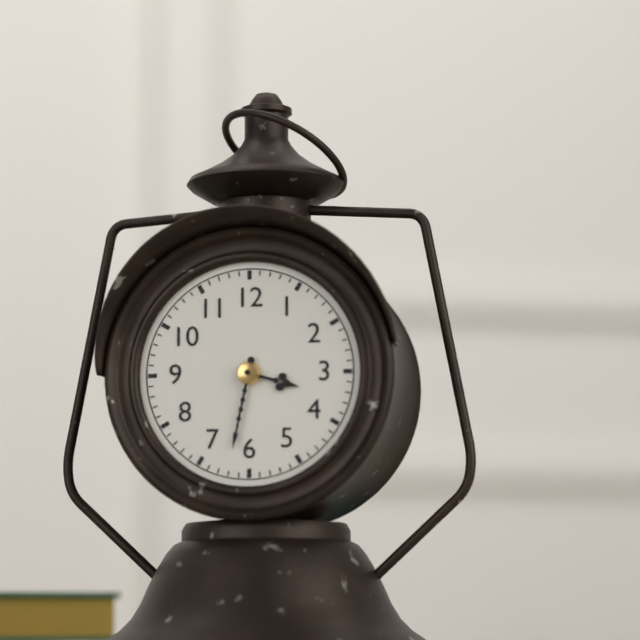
3 h 32 min
